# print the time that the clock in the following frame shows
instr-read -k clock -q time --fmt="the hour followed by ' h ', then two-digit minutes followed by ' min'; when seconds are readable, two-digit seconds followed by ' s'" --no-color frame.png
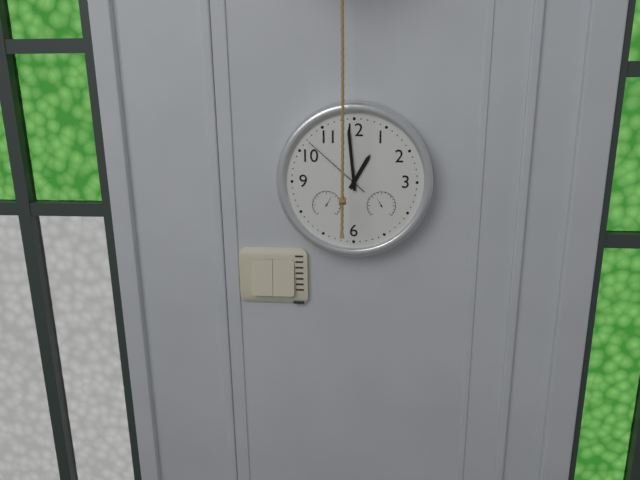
12 h 59 min 52 s
